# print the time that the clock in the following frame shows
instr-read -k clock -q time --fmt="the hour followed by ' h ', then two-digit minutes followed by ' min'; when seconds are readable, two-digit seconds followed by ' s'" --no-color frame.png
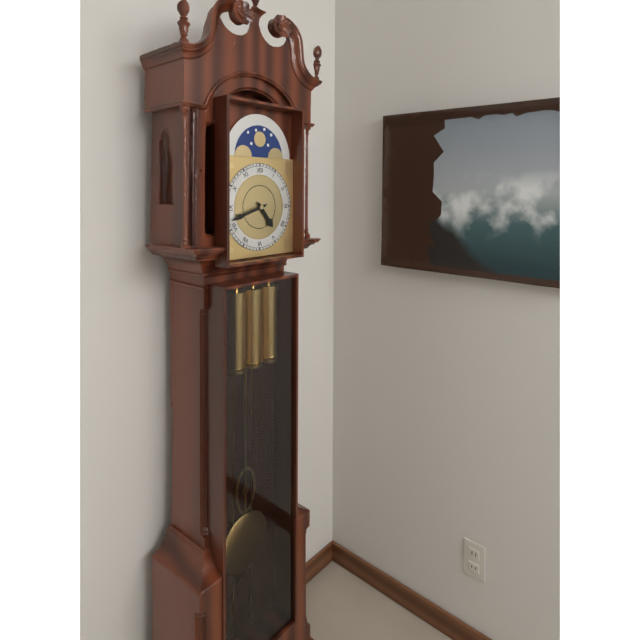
4 h 42 min
